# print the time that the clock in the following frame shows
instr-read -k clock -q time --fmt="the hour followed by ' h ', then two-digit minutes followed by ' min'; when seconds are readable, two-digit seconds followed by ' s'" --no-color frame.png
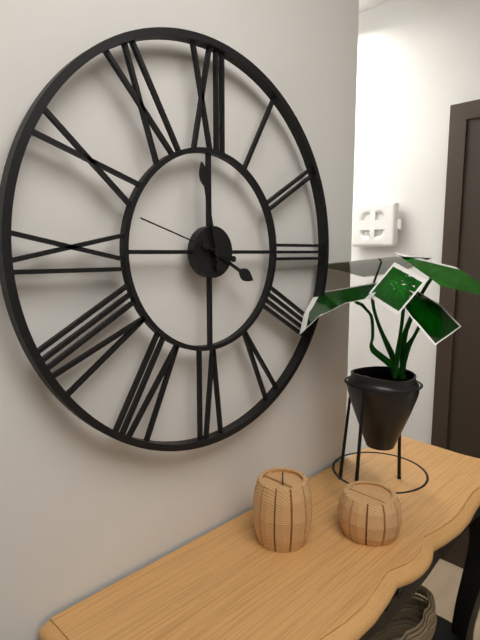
3 h 58 min 48 s
